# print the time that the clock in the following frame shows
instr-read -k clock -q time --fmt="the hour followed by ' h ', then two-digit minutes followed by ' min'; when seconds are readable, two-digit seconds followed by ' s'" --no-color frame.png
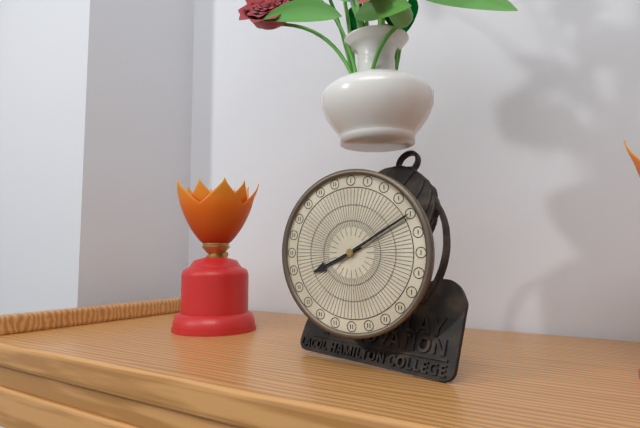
8 h 10 min
